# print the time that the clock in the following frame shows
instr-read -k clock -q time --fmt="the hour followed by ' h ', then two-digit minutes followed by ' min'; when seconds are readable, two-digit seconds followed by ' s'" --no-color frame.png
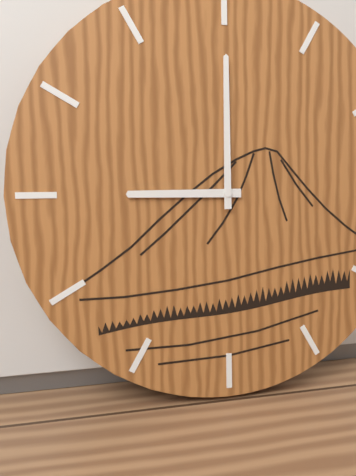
9 h 00 min
